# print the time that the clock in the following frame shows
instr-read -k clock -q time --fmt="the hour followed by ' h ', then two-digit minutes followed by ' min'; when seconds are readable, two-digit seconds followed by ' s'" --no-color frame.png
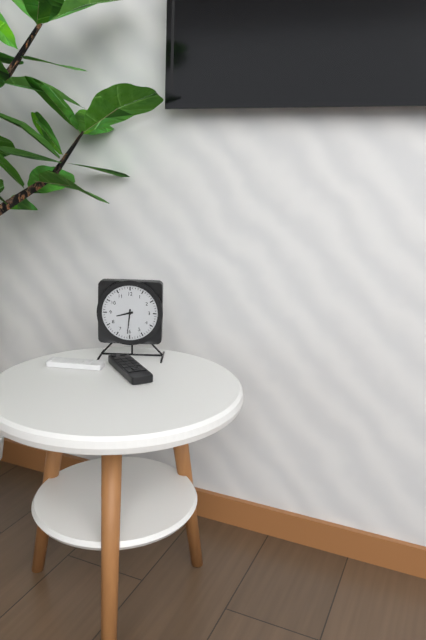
8 h 31 min
